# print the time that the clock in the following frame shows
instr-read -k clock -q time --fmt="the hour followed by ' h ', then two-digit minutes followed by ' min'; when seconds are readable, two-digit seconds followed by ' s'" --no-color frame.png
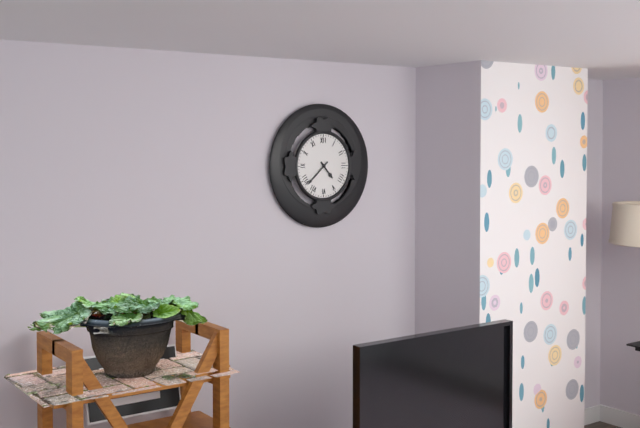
4 h 38 min
